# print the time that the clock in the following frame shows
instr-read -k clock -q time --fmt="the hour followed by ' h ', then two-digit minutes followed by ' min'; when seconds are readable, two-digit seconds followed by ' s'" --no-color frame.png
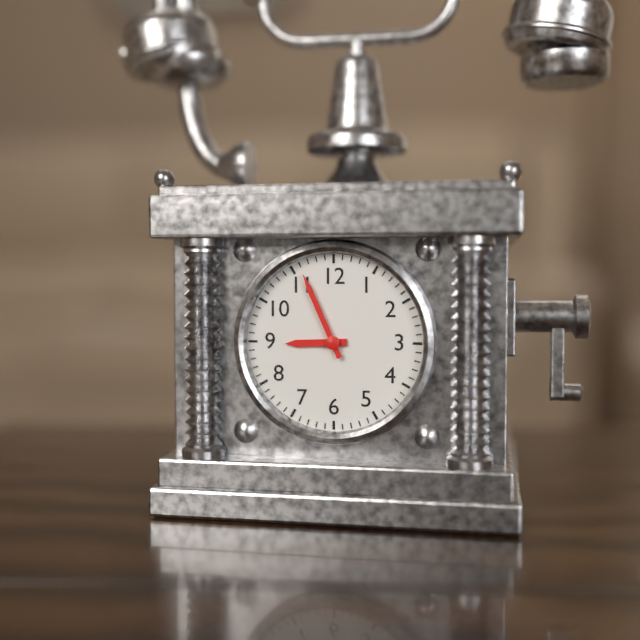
8 h 56 min
